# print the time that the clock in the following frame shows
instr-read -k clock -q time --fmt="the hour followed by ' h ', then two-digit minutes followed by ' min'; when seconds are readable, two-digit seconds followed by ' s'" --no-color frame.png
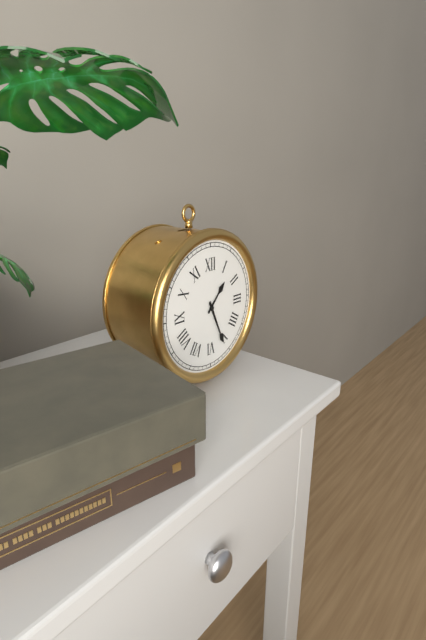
1 h 26 min
